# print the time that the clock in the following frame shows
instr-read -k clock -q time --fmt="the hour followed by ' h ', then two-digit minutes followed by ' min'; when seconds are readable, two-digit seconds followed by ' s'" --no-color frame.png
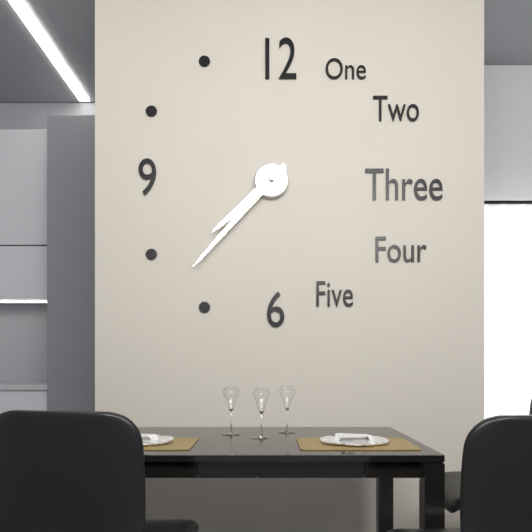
7 h 37 min
